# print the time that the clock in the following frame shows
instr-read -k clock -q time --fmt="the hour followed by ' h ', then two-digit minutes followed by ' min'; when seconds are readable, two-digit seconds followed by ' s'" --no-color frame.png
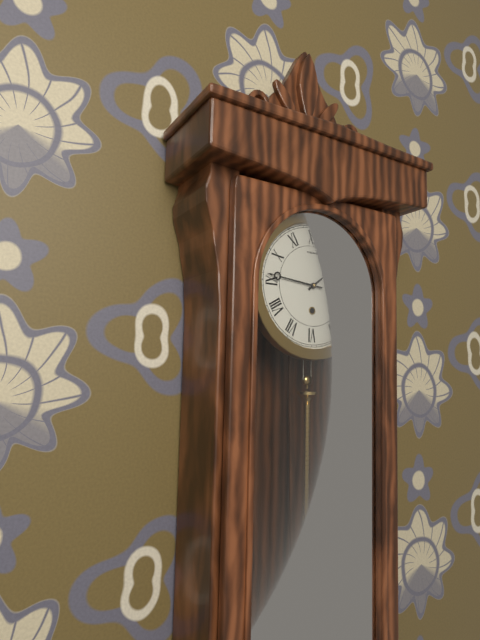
1 h 46 min
